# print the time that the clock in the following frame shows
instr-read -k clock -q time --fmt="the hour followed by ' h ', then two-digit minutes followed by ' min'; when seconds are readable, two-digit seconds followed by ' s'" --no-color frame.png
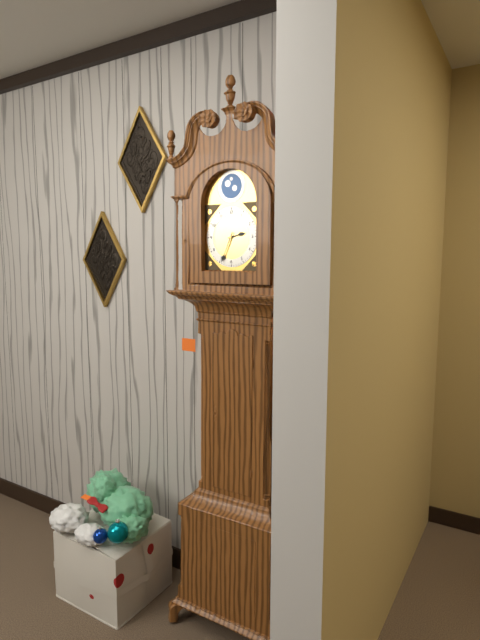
2 h 34 min
